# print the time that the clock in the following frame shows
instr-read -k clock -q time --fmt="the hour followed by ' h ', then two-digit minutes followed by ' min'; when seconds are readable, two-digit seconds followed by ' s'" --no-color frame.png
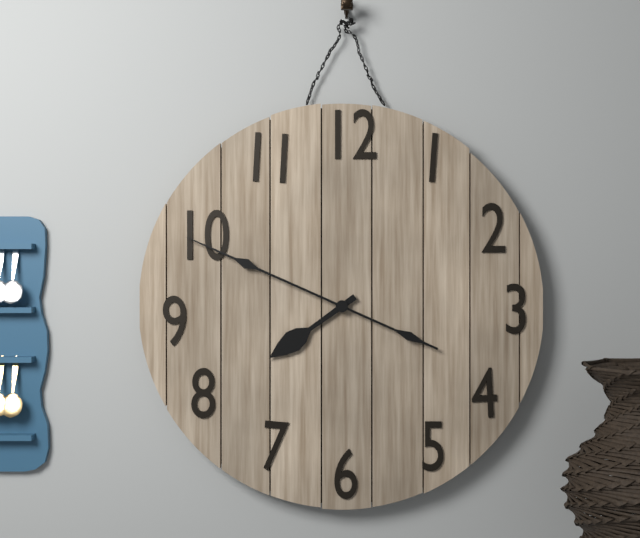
7 h 49 min
